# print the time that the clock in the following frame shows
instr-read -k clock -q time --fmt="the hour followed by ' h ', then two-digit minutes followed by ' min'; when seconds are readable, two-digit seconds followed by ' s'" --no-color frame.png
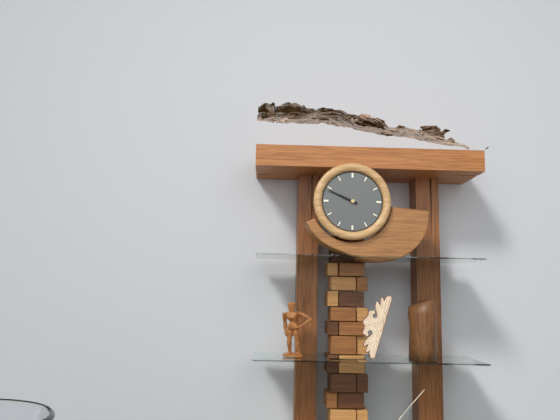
9 h 49 min
